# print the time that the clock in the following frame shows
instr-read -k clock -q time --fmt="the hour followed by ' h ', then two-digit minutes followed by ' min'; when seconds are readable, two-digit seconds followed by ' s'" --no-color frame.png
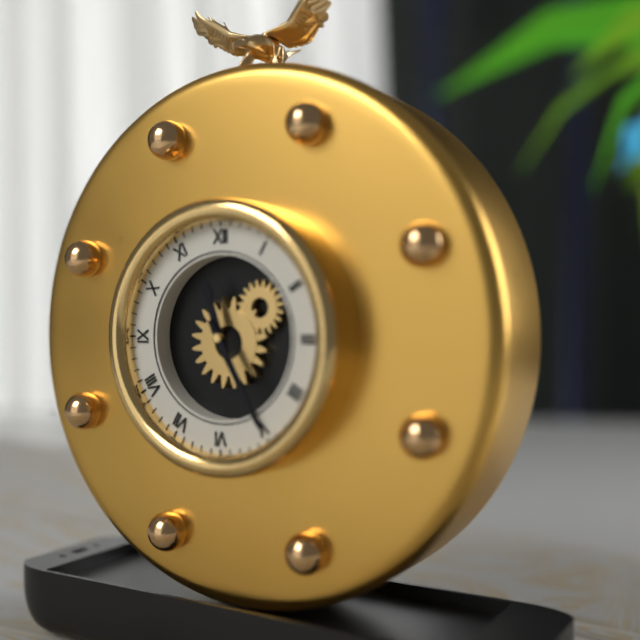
11 h 25 min
